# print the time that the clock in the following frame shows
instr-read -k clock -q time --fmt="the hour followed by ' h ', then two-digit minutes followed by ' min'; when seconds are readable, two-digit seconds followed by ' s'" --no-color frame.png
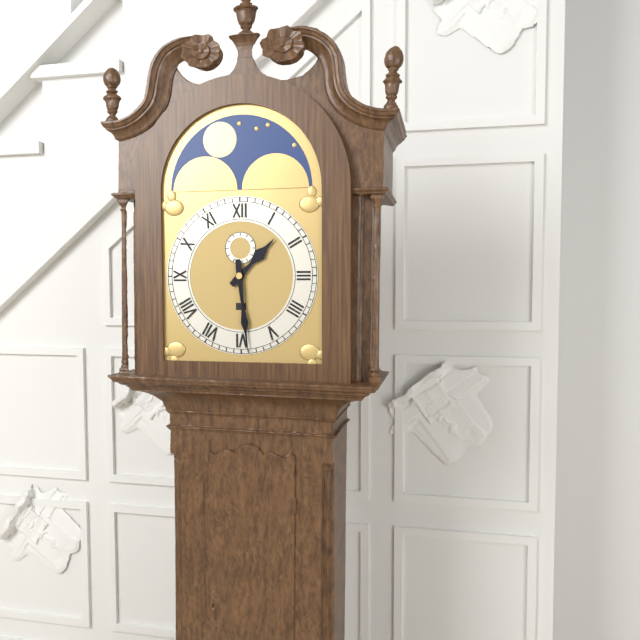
1 h 29 min
